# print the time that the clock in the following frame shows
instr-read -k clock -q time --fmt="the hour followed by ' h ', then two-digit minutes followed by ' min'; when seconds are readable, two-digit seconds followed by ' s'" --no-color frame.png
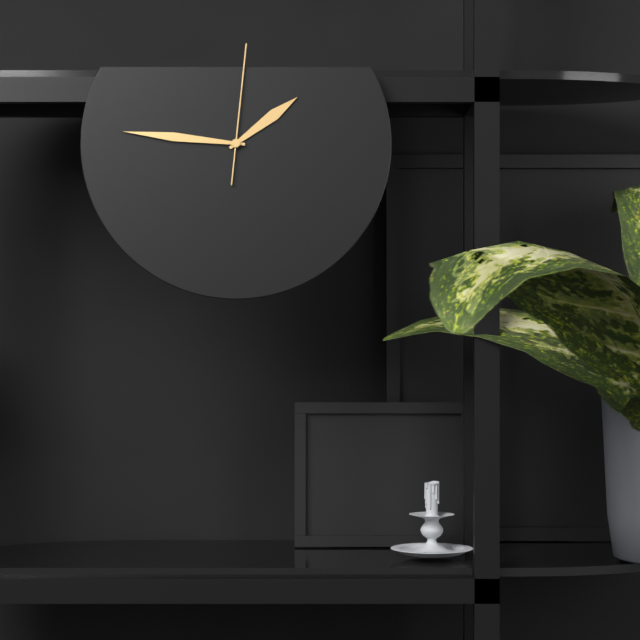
1 h 46 min 01 s
